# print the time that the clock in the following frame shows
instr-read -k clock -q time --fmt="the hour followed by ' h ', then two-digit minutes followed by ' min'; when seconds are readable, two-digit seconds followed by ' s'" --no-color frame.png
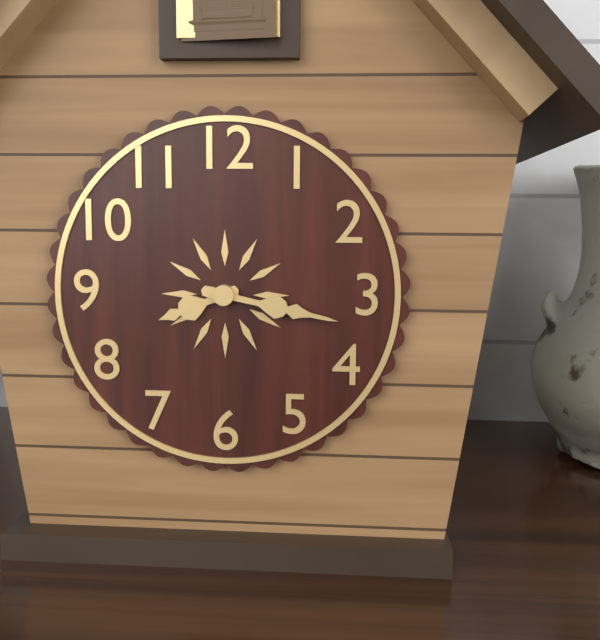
8 h 17 min
